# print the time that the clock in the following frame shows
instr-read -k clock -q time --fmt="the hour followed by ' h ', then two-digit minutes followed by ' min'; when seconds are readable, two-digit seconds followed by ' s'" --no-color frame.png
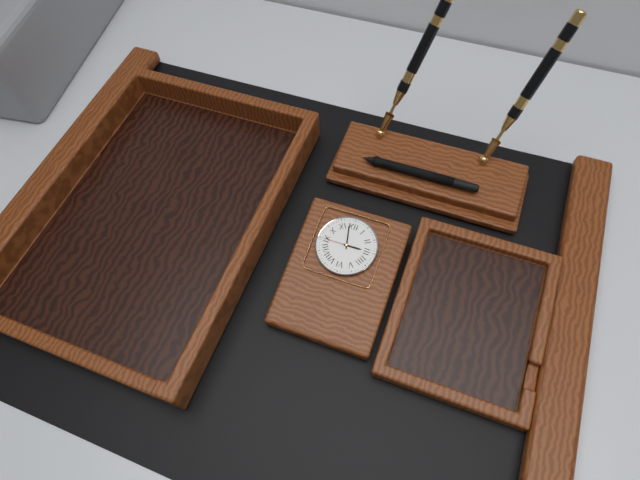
2 h 58 min
